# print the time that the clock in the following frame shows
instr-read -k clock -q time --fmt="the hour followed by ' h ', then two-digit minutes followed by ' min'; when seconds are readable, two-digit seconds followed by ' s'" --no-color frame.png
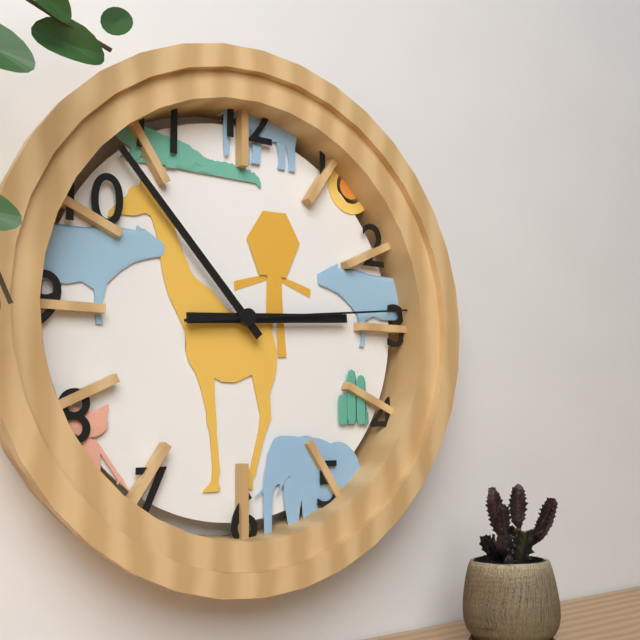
2 h 53 min 14 s
